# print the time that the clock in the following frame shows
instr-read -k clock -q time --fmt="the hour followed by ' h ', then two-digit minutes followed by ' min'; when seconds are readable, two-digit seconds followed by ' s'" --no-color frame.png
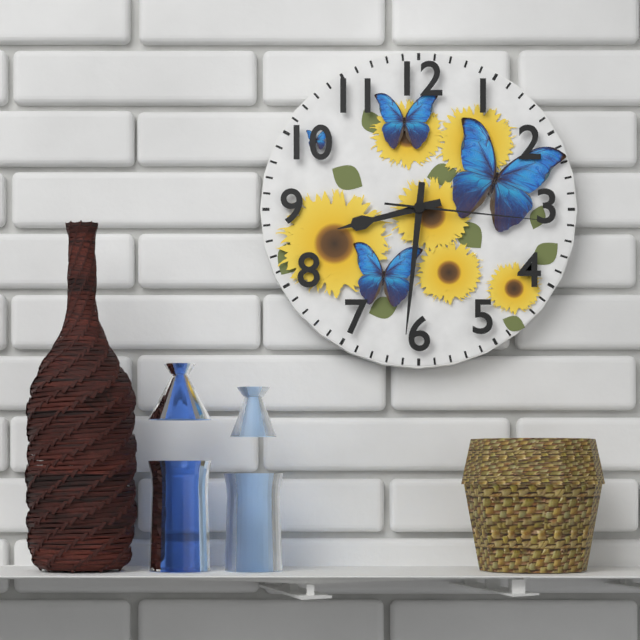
8 h 31 min 16 s
